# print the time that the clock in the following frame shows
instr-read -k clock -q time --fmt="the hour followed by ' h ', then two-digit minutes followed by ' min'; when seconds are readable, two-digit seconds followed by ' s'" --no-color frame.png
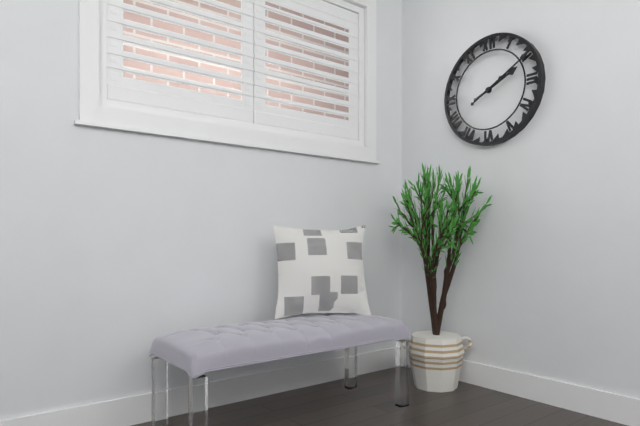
2 h 10 min
